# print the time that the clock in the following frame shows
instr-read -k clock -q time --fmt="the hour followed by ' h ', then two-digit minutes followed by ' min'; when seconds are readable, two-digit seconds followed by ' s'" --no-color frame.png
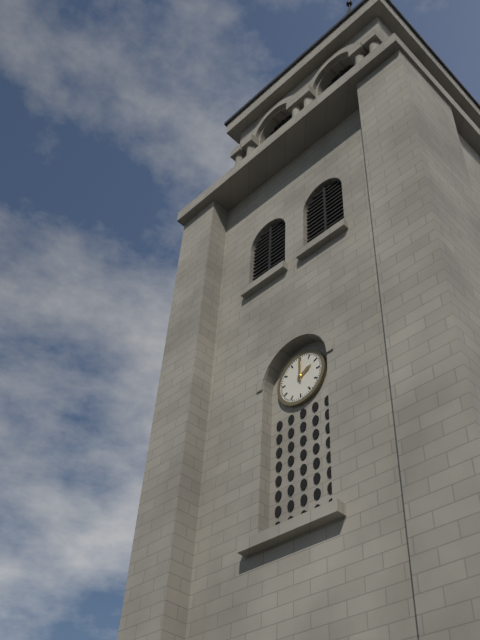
2 h 00 min
